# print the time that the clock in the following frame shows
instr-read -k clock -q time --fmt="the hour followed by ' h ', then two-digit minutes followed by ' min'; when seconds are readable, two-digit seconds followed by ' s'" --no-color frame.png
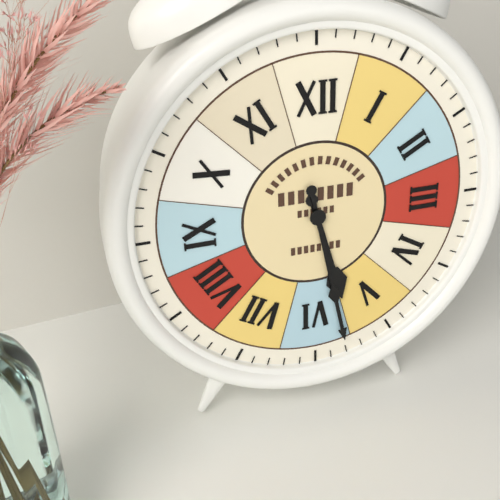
5 h 28 min
